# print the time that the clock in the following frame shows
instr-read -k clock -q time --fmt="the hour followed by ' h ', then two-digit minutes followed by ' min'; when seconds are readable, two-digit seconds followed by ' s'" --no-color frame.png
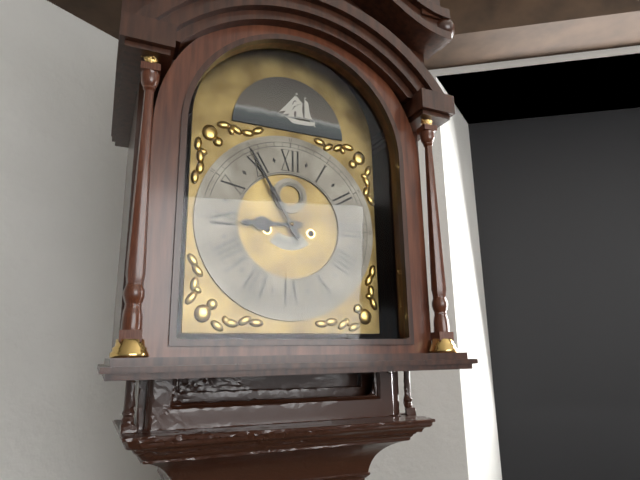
8 h 55 min
